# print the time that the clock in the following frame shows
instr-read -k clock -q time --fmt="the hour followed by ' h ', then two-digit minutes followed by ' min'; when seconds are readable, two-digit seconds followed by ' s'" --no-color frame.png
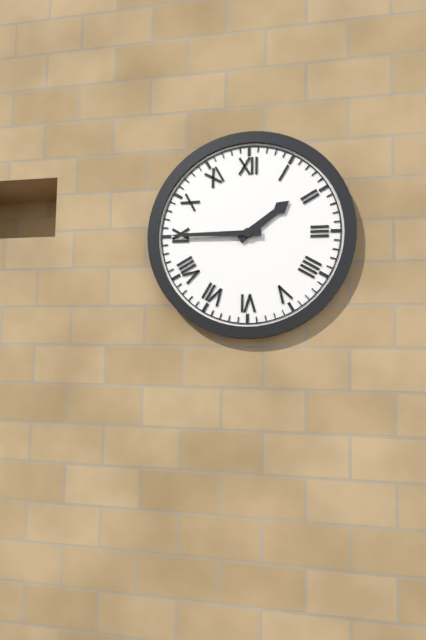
1 h 45 min
